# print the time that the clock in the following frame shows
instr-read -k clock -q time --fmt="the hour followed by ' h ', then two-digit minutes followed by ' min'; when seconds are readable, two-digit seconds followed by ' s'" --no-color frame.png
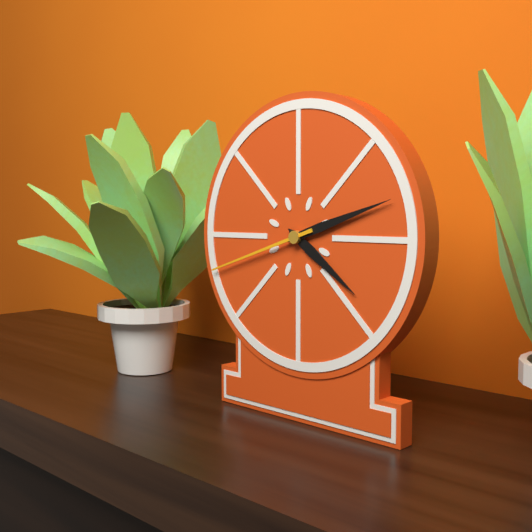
4 h 12 min 42 s
